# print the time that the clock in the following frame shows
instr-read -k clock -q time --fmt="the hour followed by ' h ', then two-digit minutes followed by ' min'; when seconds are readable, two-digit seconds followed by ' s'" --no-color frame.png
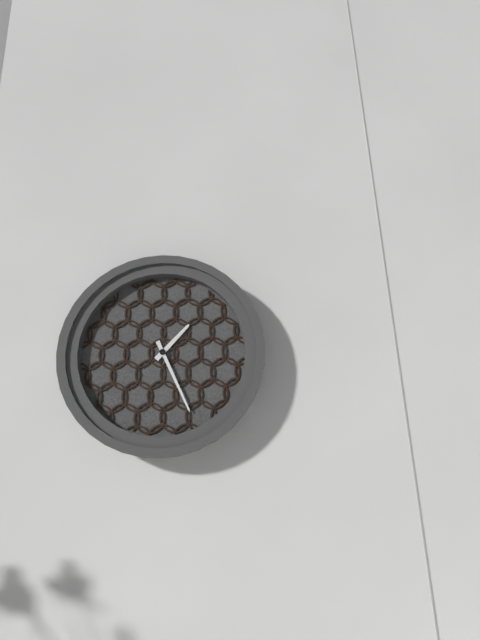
1 h 26 min
